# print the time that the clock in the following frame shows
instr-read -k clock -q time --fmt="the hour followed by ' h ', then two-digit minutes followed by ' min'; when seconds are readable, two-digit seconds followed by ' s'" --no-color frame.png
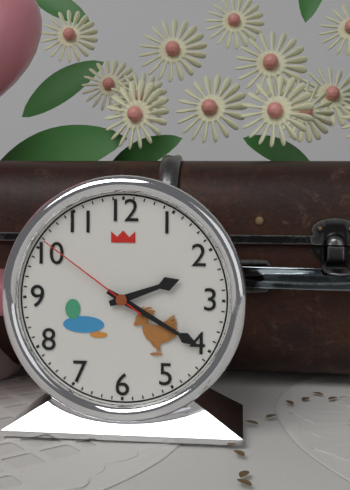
2 h 20 min 51 s
